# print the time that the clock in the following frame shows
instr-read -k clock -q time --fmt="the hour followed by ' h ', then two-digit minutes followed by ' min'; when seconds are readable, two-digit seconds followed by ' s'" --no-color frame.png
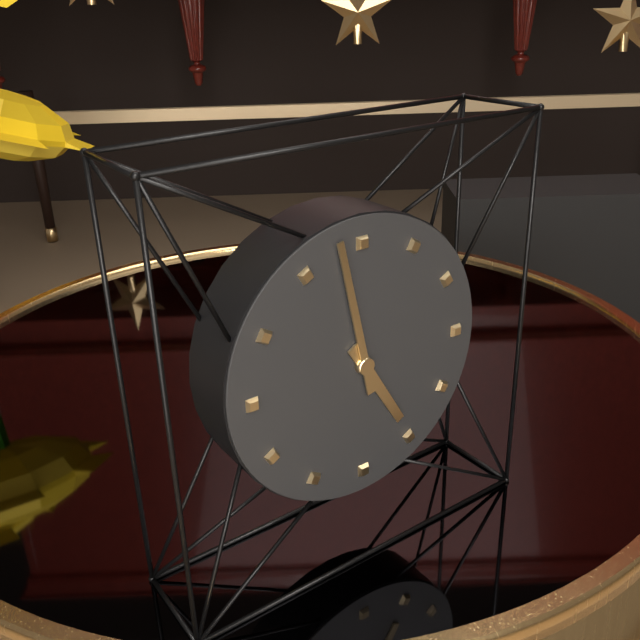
4 h 58 min
